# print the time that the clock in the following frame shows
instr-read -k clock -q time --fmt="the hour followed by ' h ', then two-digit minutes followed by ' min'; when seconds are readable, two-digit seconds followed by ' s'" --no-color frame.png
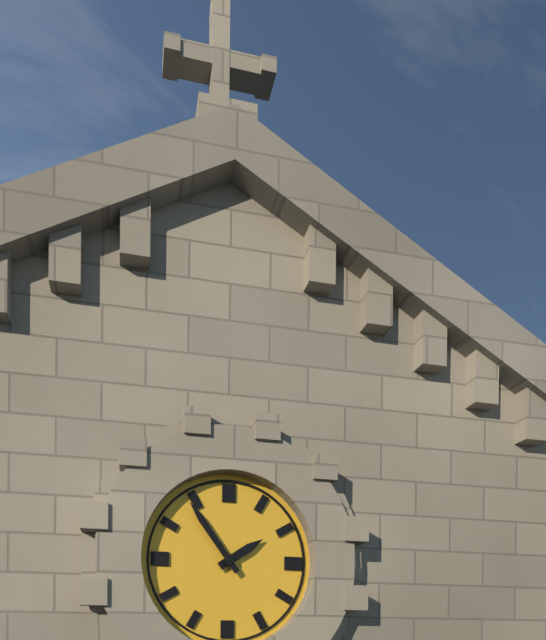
1 h 54 min
